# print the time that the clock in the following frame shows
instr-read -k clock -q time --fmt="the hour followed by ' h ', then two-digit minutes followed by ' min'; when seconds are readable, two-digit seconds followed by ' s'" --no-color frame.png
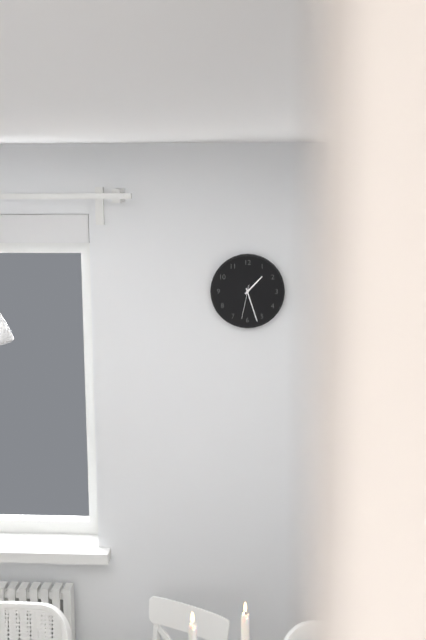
1 h 27 min
